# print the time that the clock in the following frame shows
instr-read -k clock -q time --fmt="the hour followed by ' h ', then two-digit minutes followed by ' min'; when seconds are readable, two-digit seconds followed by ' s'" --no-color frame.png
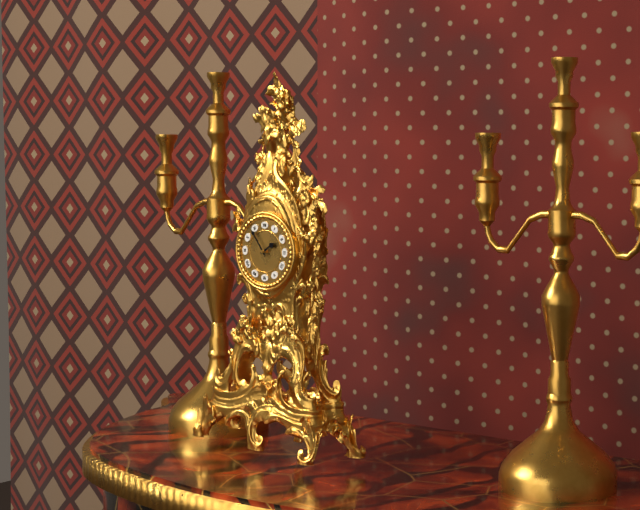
1 h 54 min
